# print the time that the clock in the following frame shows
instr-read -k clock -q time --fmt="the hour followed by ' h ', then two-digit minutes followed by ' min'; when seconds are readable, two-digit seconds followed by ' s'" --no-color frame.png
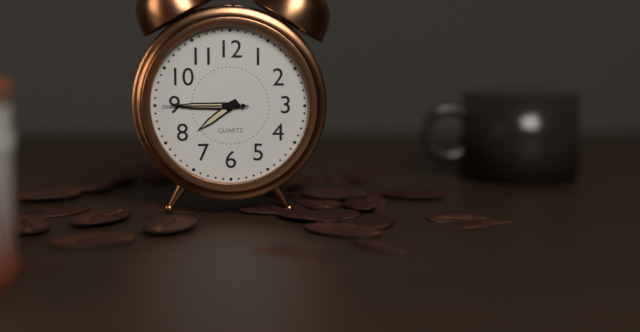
7 h 45 min 45 s
